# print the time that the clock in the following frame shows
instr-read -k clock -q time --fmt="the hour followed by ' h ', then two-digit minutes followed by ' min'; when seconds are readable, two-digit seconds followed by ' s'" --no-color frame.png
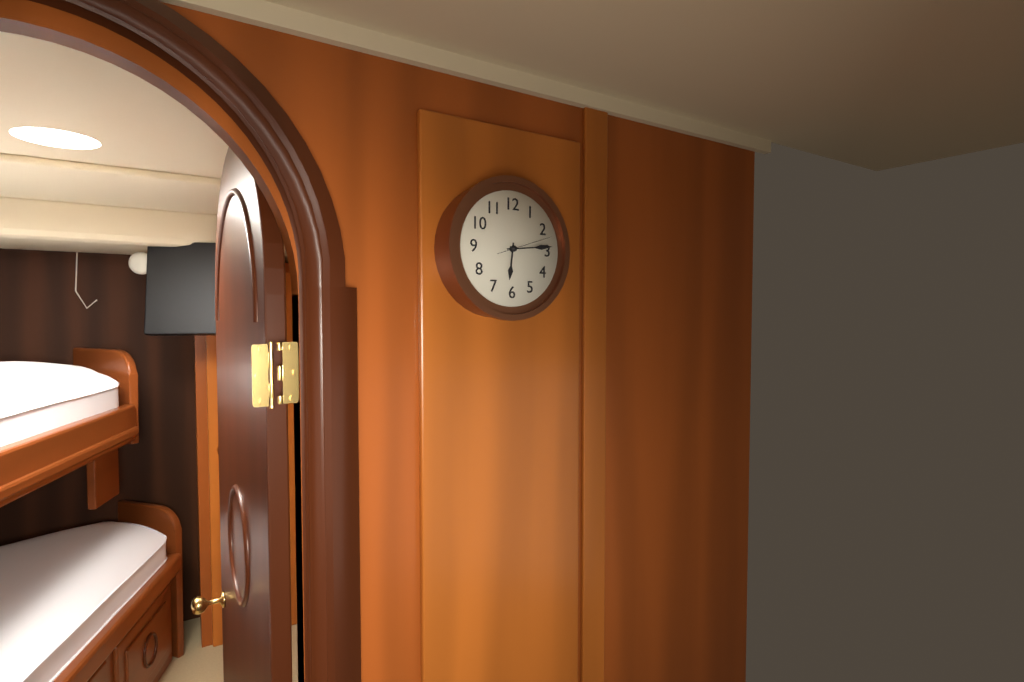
6 h 14 min 12 s
